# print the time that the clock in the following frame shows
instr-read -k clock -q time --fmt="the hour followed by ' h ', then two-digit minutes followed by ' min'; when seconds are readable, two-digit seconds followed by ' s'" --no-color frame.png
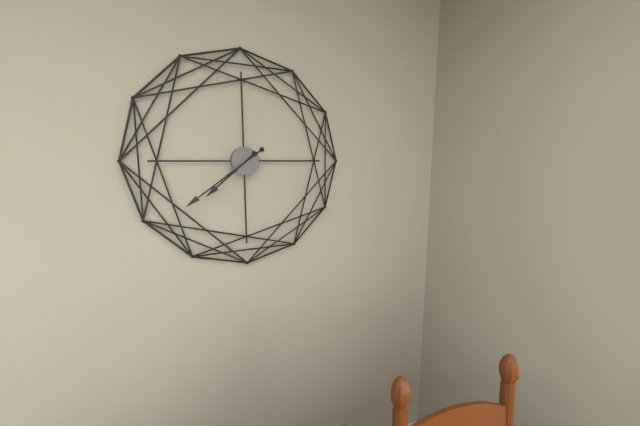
7 h 39 min
